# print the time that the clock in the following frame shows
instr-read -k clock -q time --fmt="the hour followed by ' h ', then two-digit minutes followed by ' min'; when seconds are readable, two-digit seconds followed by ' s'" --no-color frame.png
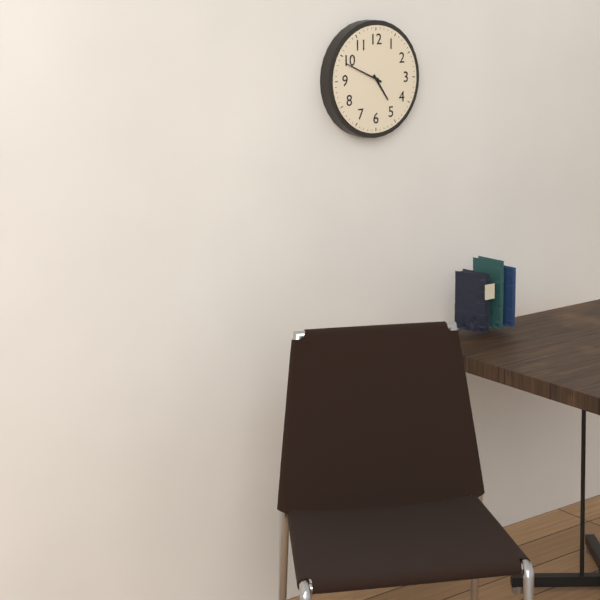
4 h 49 min
